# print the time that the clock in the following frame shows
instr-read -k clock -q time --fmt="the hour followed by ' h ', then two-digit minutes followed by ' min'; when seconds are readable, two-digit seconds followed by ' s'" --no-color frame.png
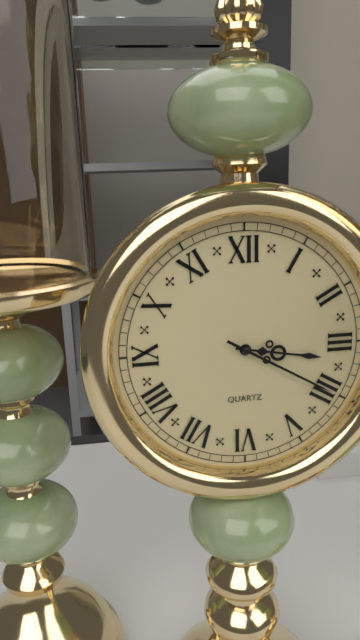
3 h 20 min
